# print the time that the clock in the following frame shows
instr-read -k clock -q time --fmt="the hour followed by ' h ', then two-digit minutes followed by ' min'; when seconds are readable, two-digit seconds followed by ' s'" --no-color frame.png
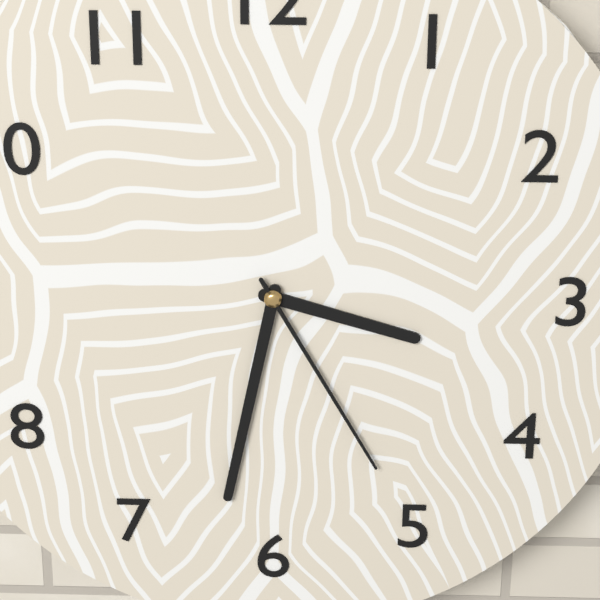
3 h 32 min 25 s
